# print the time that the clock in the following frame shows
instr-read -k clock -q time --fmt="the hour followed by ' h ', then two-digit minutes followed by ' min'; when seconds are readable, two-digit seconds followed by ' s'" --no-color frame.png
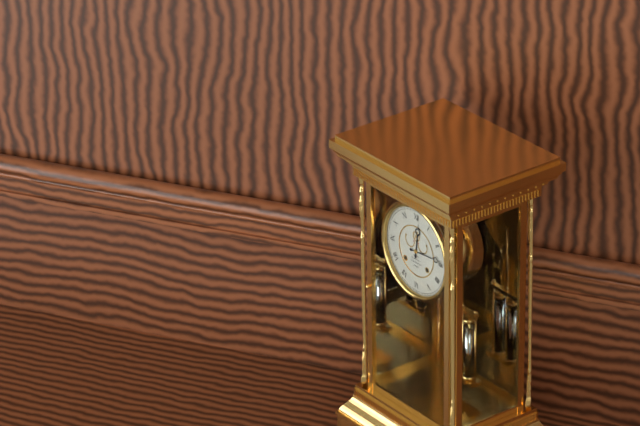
12 h 14 min
